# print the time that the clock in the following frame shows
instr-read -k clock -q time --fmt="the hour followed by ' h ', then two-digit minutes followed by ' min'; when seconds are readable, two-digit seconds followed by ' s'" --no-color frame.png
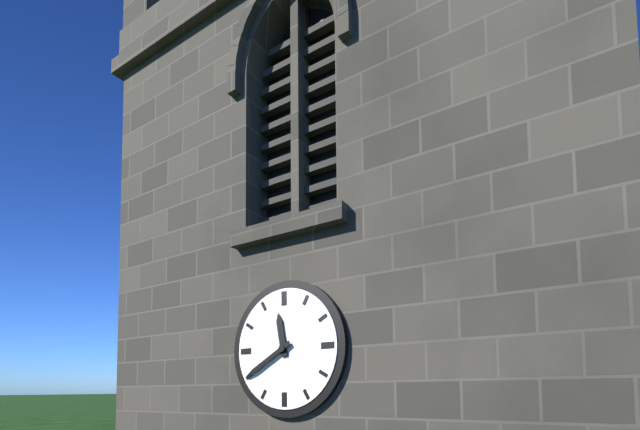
11 h 40 min
